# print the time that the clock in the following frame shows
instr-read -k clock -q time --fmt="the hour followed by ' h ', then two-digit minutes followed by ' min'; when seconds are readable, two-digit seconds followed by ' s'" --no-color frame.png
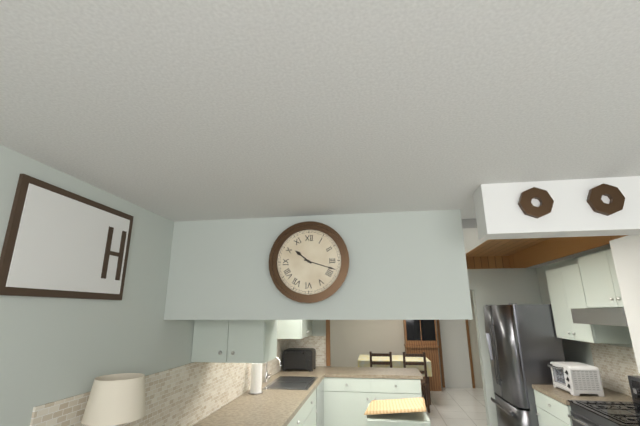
10 h 18 min
